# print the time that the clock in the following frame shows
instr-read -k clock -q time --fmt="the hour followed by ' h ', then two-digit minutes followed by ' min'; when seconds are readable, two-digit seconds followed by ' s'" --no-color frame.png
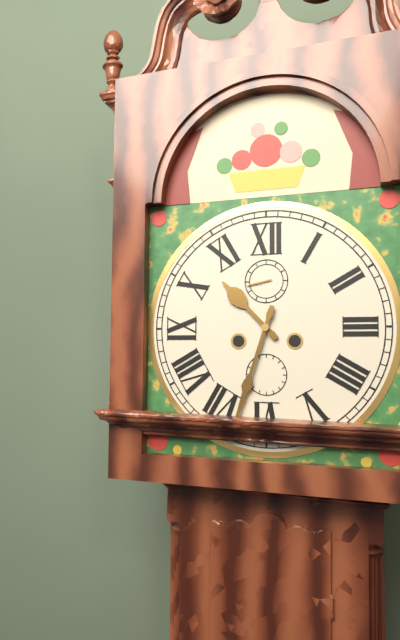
10 h 33 min
